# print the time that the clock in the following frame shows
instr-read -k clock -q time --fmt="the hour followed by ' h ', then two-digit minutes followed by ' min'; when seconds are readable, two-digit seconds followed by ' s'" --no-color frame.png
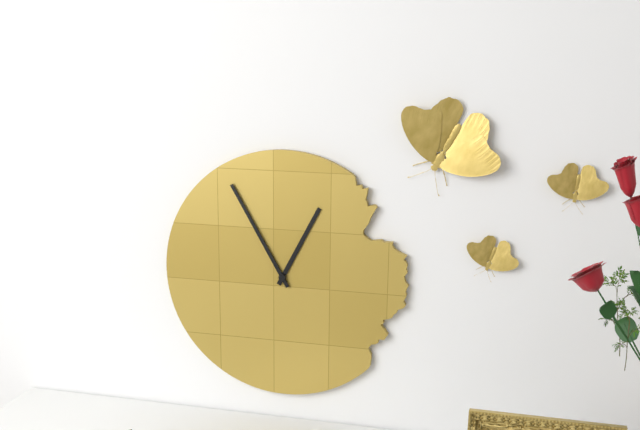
12 h 55 min
